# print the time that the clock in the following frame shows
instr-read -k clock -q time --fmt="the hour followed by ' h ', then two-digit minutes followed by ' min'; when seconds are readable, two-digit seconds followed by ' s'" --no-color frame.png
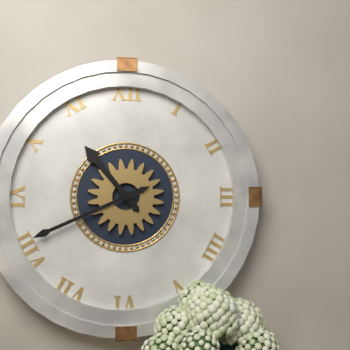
10 h 41 min
